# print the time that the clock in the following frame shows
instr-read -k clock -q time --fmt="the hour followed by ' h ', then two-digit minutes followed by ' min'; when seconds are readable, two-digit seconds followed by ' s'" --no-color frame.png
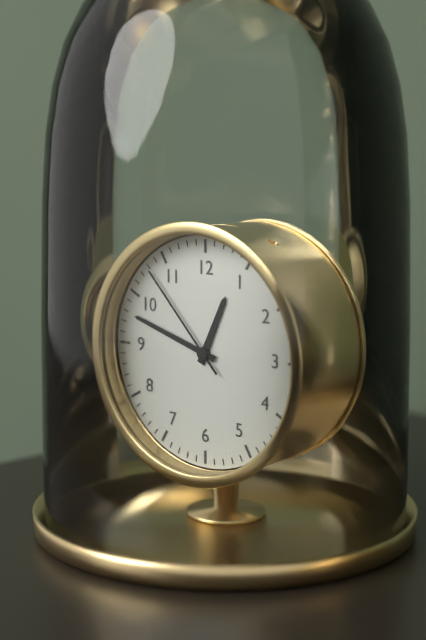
12 h 48 min 53 s
